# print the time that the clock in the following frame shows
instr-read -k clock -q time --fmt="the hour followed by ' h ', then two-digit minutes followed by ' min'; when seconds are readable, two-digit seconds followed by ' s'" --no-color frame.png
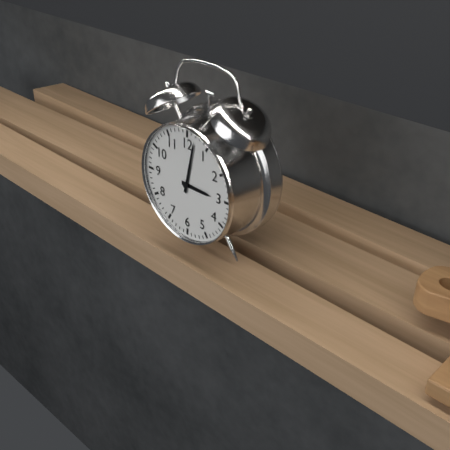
3 h 02 min
